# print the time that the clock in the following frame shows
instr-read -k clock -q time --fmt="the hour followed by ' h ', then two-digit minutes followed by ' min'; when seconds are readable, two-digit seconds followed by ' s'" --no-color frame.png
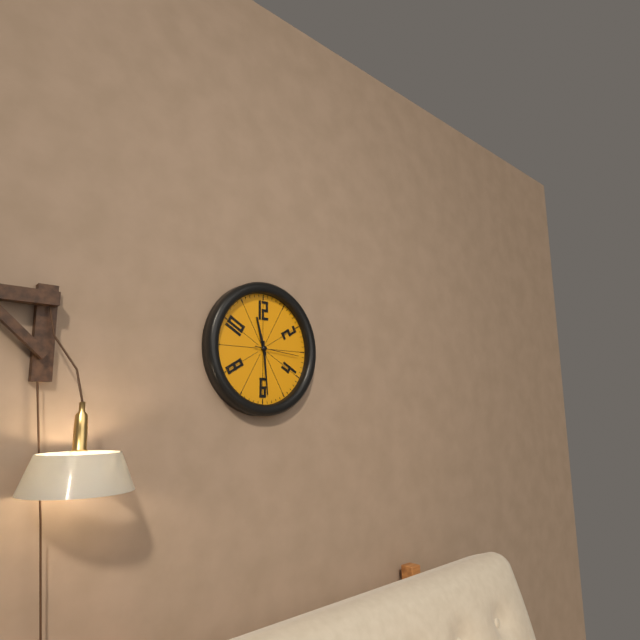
11 h 29 min
